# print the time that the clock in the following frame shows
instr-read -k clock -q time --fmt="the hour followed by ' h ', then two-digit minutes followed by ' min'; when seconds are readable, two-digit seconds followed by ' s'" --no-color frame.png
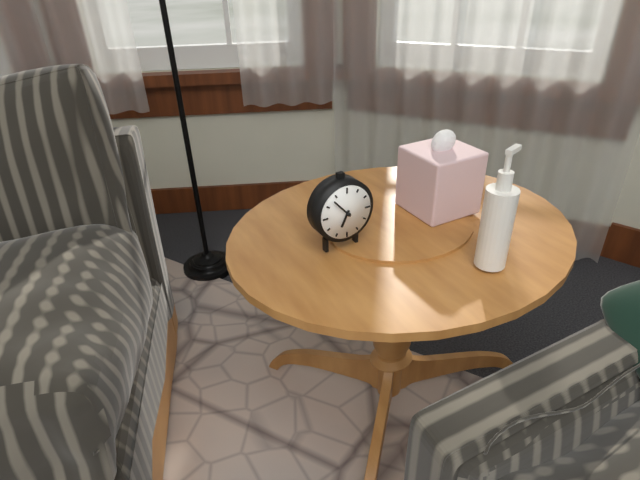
6 h 53 min
